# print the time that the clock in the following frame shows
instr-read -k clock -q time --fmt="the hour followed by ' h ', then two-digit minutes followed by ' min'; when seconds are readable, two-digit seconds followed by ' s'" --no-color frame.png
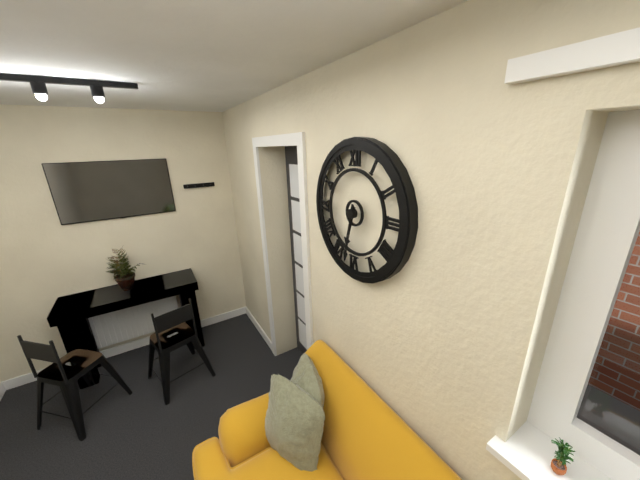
6 h 32 min
